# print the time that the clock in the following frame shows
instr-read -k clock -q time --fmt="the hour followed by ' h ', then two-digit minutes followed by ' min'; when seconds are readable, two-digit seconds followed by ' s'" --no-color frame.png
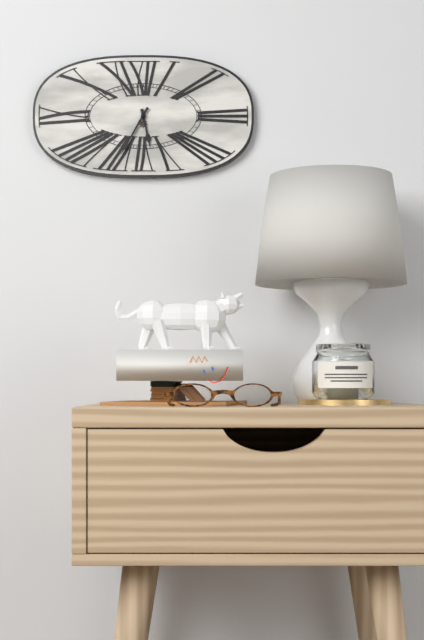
5 h 35 min
